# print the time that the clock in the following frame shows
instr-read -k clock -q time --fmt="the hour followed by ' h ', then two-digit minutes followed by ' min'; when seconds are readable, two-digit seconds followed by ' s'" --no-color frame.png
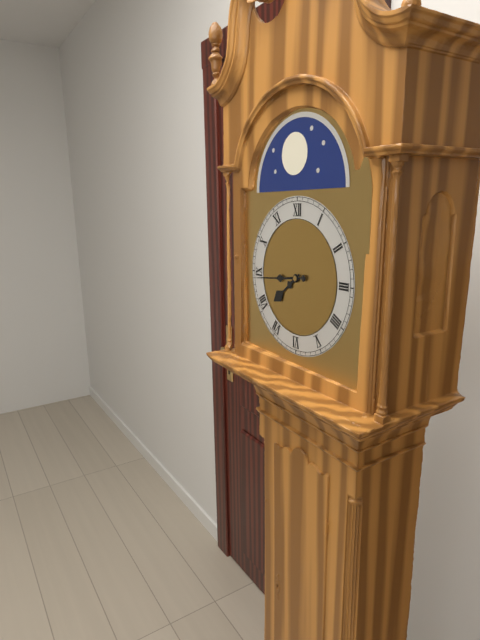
7 h 44 min
